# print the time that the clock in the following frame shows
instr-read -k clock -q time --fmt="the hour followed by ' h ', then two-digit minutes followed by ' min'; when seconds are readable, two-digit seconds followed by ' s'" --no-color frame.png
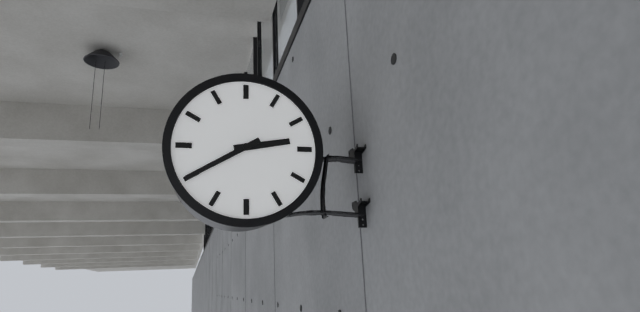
2 h 40 min
